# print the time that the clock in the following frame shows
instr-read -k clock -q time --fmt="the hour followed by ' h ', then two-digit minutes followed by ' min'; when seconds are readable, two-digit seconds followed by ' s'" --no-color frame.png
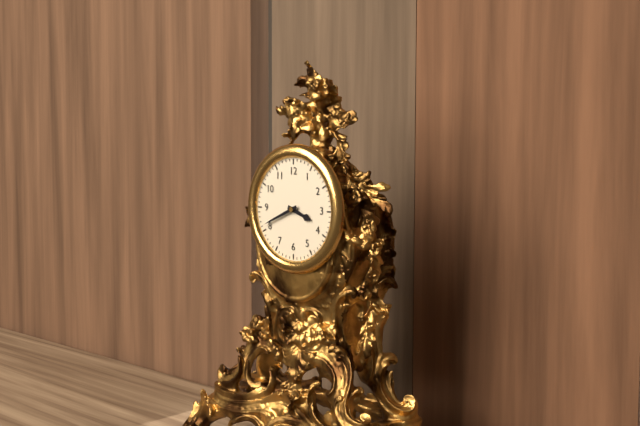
3 h 41 min
